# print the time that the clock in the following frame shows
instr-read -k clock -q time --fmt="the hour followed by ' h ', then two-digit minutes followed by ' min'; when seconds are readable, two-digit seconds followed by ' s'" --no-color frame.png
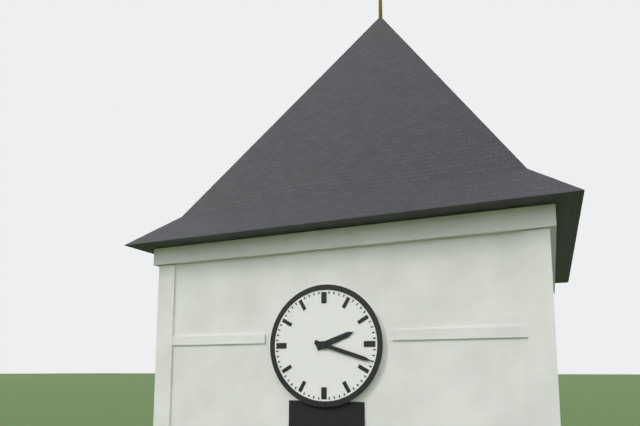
2 h 18 min
